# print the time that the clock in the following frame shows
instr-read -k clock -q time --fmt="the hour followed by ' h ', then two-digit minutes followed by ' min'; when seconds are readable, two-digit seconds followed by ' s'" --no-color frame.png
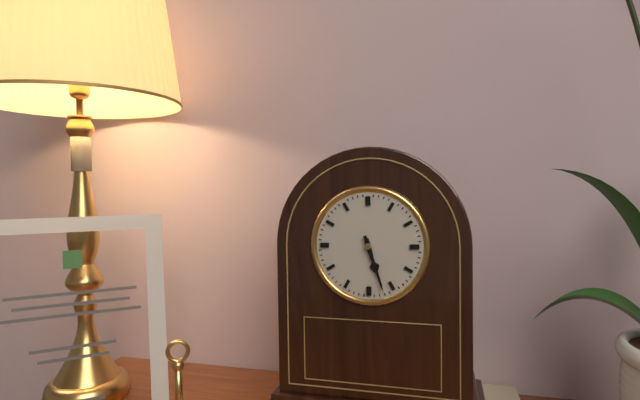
5 h 27 min
